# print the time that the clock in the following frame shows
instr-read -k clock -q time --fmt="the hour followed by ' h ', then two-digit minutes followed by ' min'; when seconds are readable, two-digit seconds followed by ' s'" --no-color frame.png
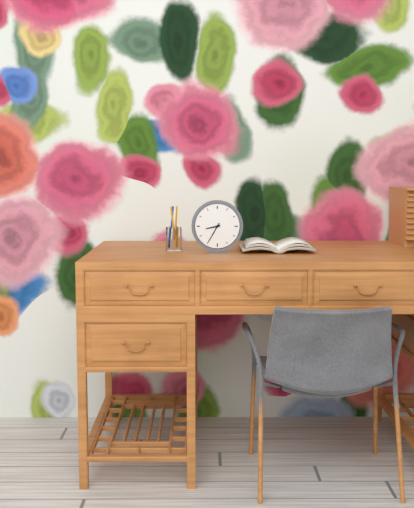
8 h 35 min
